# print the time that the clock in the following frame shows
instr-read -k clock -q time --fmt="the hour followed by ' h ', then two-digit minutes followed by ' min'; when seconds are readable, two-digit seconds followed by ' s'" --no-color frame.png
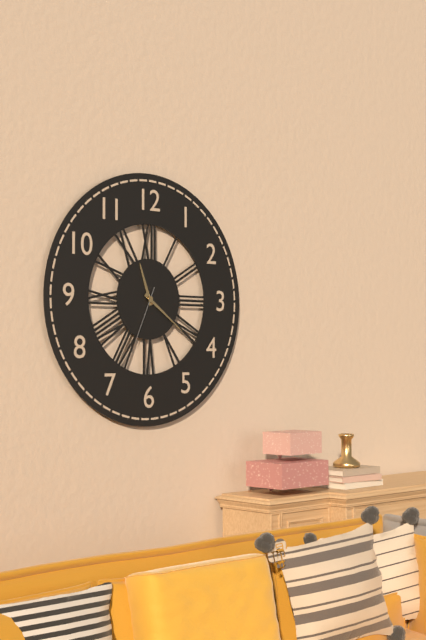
11 h 21 min 34 s
